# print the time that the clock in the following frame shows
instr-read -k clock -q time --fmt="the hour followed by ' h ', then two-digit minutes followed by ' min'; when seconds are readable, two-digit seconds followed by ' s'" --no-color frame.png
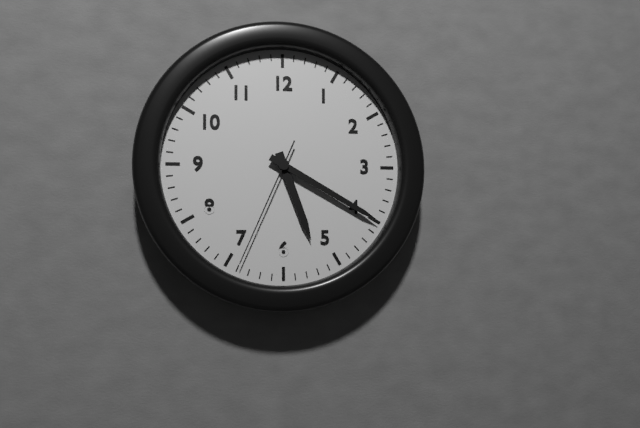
5 h 20 min 34 s
